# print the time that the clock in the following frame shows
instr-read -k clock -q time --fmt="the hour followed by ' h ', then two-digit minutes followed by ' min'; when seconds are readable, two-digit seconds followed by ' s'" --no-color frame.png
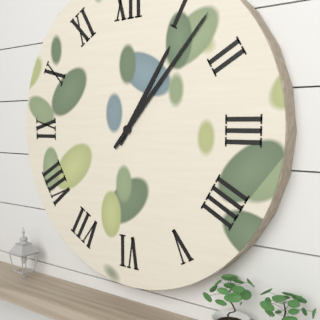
1 h 07 min
